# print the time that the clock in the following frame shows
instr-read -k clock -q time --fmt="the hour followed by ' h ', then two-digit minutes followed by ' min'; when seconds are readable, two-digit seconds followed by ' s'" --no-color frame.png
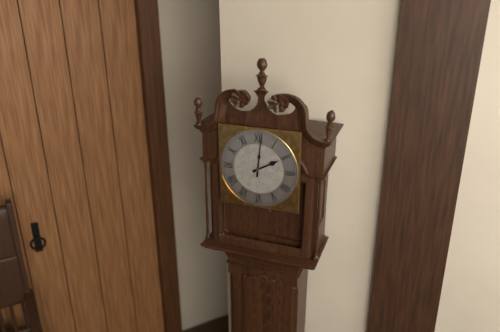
2 h 01 min
